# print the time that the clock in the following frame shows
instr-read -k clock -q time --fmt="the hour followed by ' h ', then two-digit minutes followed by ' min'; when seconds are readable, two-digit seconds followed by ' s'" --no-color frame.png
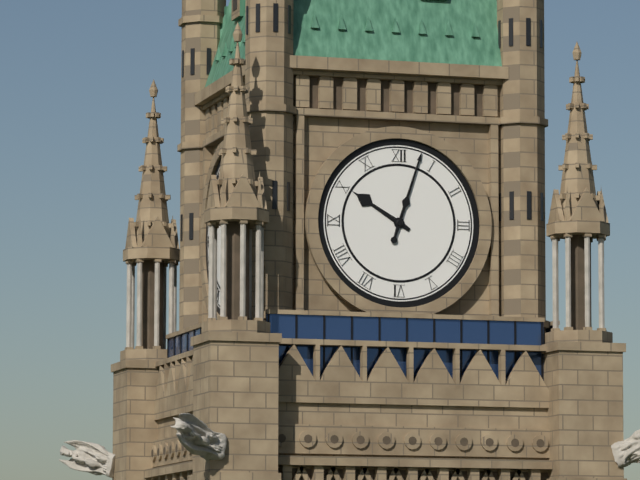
10 h 03 min
